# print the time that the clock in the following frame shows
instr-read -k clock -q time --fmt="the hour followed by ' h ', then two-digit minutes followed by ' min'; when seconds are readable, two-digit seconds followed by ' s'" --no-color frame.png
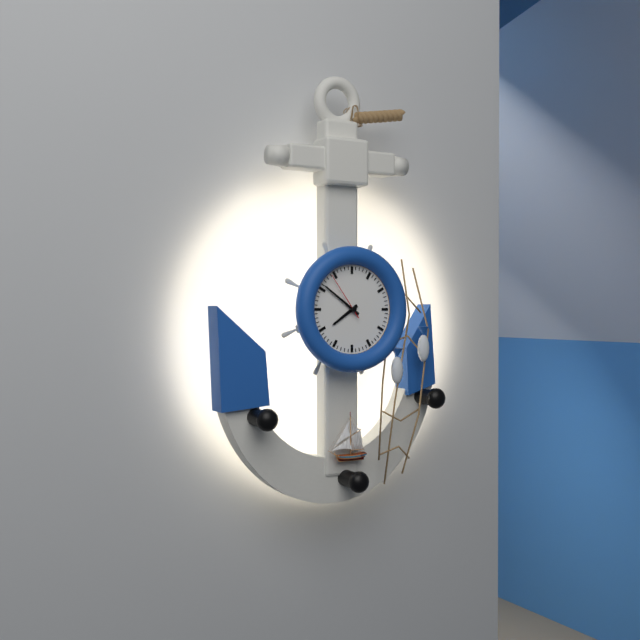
7 h 51 min 54 s
